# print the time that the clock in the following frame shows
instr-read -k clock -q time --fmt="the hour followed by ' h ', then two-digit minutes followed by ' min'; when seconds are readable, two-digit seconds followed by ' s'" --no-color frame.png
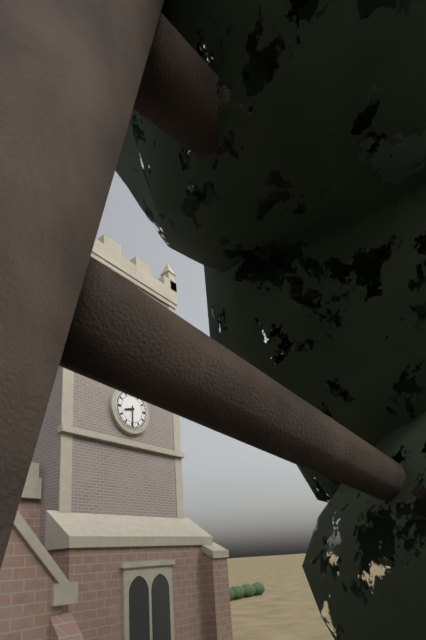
8 h 30 min
